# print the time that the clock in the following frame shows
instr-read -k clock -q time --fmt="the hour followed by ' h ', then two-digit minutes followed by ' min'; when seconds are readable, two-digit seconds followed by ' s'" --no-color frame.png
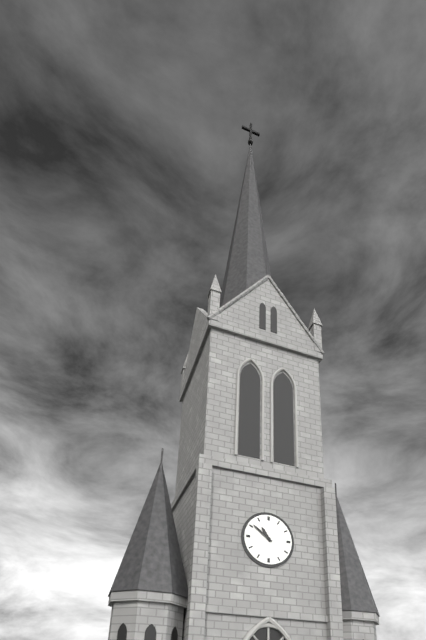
10 h 51 min
